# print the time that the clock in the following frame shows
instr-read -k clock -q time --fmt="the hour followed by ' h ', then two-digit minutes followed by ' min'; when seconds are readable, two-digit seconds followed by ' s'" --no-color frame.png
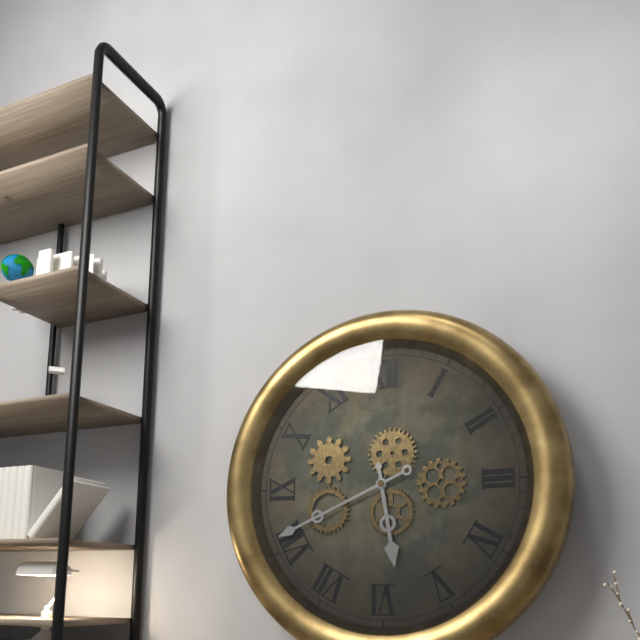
5 h 41 min
